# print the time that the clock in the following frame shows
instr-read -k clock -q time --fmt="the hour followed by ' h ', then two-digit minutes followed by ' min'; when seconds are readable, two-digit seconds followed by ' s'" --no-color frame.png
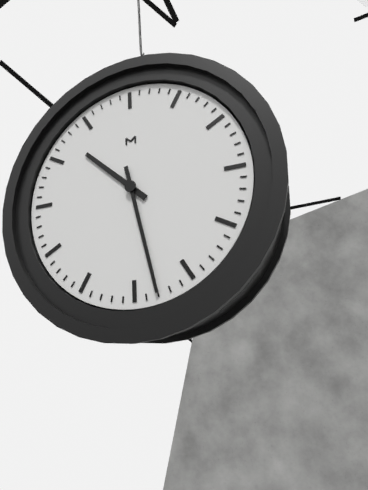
10 h 28 min
